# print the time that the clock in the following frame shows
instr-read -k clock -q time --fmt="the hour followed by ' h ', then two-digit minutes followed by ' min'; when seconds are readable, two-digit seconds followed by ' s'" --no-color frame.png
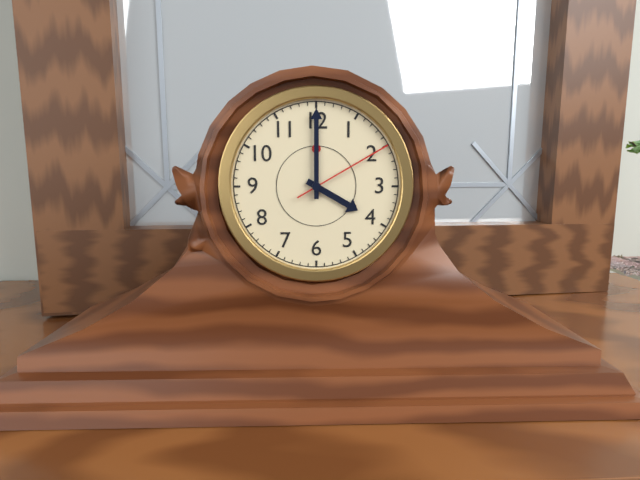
4 h 00 min 10 s
